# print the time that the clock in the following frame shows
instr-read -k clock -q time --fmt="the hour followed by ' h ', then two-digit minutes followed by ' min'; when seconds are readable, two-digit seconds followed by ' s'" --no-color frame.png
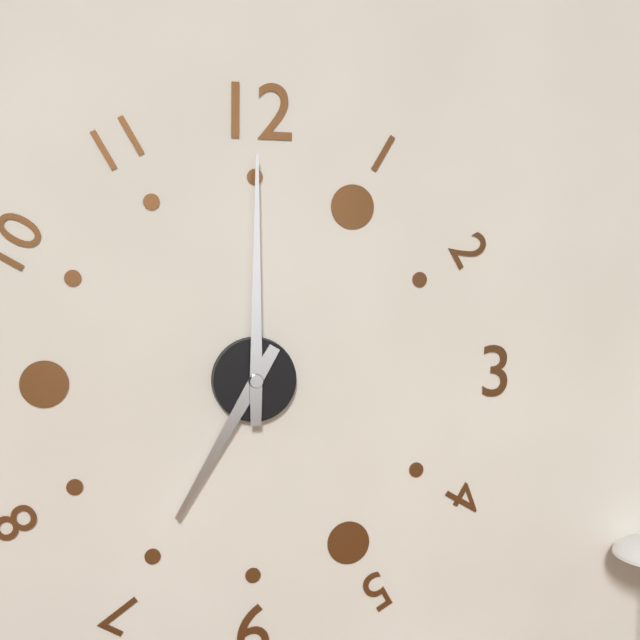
7 h 00 min
